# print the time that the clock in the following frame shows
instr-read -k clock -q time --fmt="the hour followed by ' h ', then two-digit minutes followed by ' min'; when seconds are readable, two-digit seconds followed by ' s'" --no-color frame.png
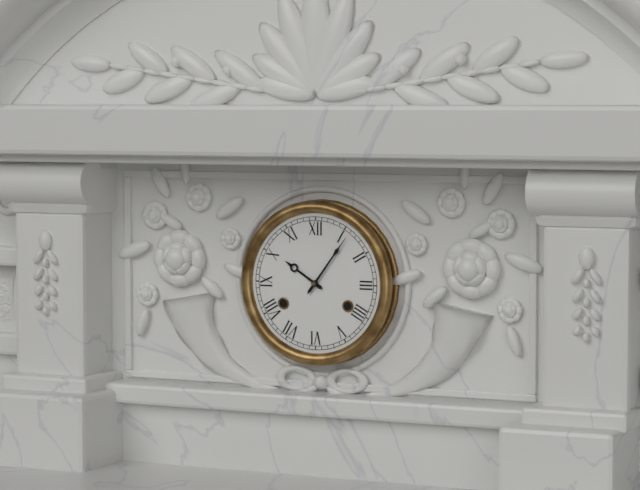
10 h 06 min
